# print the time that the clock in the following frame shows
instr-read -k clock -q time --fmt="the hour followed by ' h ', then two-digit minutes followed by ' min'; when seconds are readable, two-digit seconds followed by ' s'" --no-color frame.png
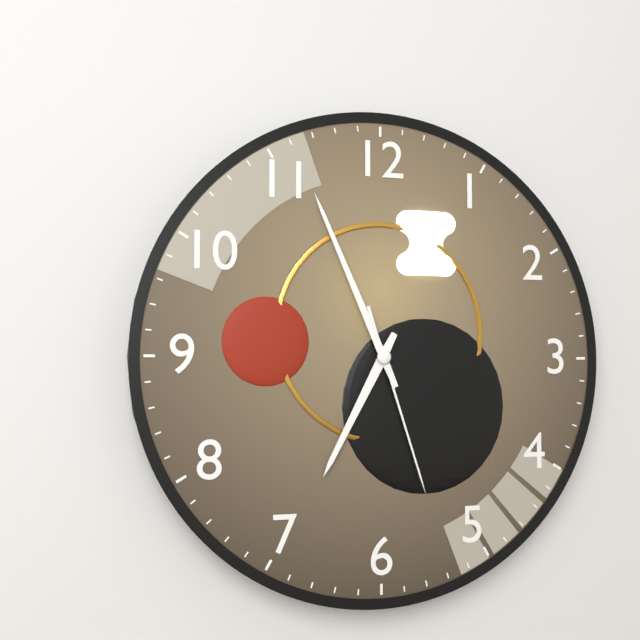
6 h 56 min 27 s
